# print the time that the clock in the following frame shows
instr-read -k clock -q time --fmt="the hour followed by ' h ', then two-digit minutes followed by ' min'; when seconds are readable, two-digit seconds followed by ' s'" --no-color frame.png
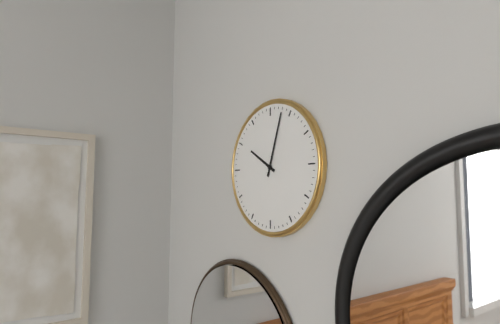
10 h 03 min
